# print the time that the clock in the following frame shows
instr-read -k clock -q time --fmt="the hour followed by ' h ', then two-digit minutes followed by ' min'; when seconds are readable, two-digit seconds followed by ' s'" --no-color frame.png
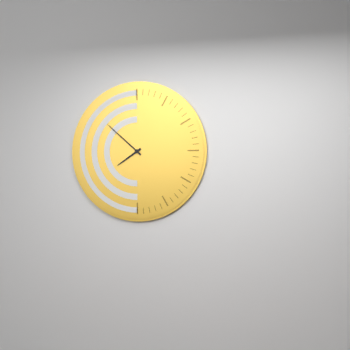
7 h 52 min
